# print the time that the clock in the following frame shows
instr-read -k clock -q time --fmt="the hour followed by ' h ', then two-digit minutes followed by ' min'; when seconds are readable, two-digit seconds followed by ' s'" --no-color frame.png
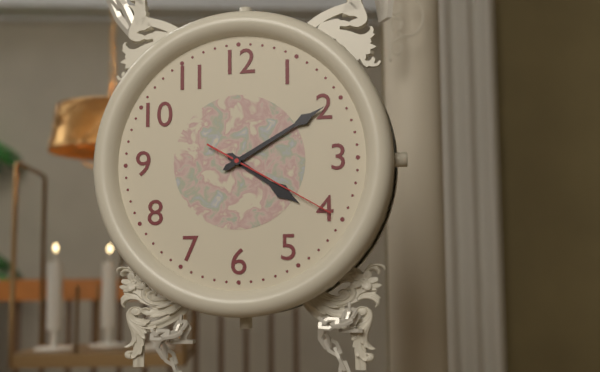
4 h 10 min 20 s
